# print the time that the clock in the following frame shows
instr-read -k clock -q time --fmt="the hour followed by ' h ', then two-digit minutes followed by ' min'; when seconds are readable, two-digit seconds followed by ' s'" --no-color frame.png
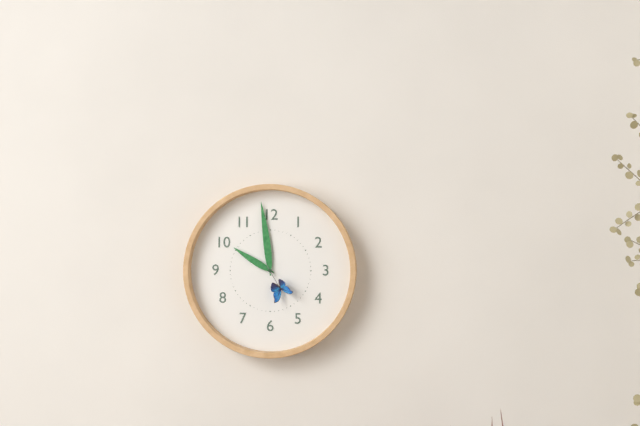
9 h 59 min
